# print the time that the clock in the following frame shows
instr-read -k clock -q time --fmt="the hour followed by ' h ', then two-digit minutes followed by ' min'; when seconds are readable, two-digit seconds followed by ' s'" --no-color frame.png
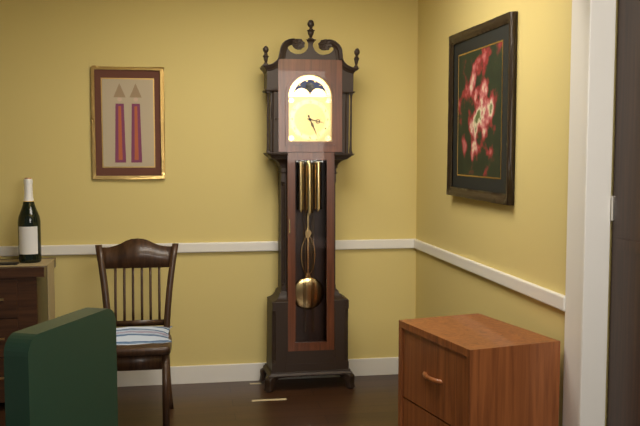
3 h 26 min
